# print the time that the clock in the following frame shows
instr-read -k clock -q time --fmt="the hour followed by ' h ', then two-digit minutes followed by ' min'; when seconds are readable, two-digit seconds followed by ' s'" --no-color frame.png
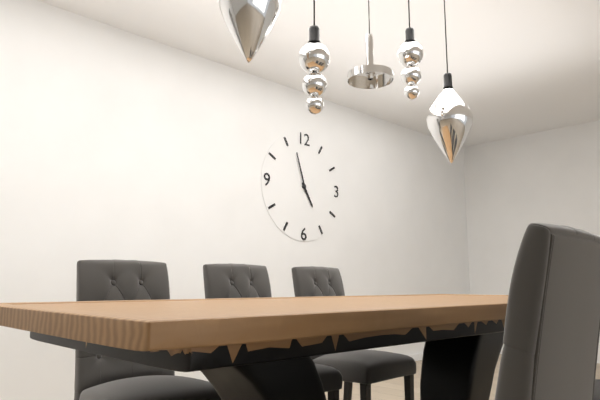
4 h 57 min
